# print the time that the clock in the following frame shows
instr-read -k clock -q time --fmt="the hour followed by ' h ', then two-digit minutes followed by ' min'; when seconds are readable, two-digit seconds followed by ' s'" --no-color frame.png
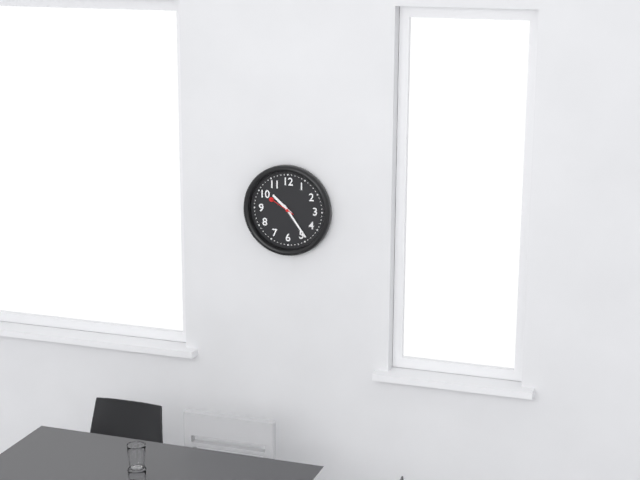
10 h 24 min
